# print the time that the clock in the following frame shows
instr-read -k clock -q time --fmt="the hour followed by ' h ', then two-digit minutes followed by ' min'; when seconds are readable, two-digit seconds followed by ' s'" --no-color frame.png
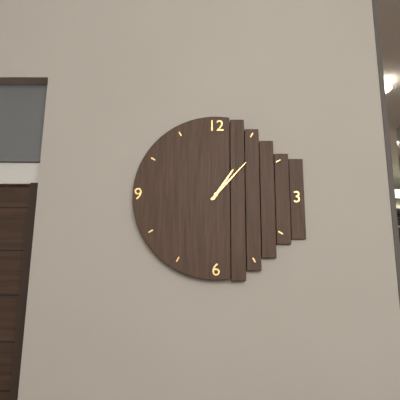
1 h 07 min
